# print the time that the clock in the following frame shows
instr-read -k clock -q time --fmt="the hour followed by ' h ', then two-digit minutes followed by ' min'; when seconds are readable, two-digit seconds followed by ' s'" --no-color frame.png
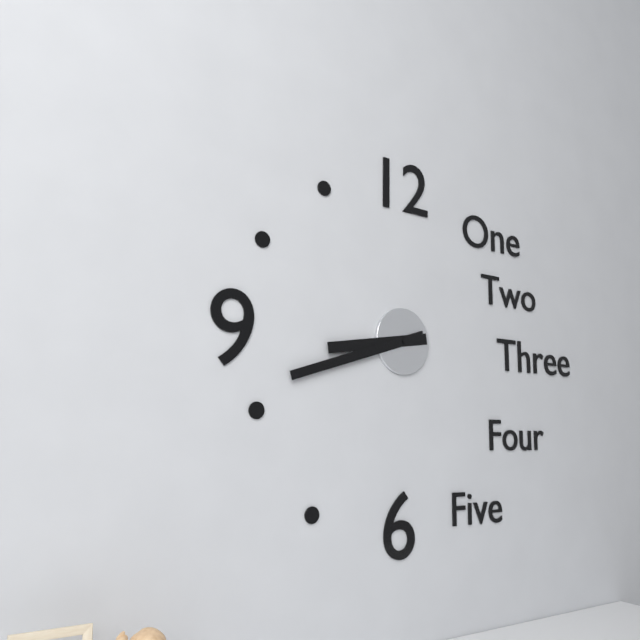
8 h 42 min
